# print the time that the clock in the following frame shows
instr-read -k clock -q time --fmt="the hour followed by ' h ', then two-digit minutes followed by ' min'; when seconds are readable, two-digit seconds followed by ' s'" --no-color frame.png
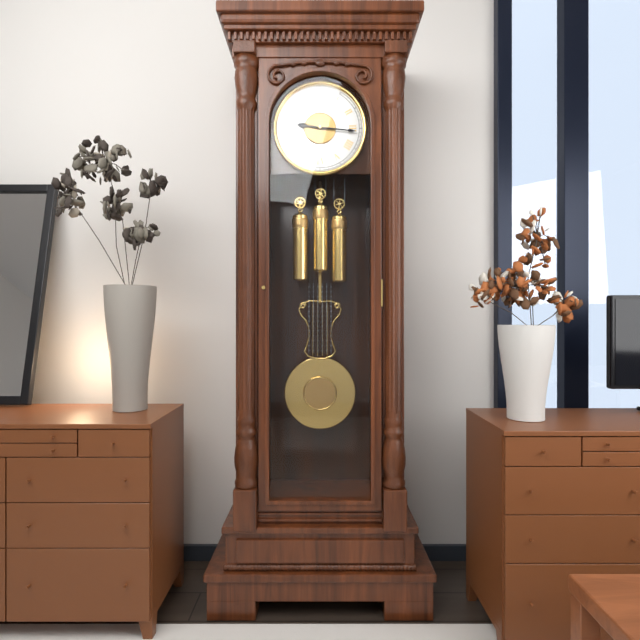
9 h 16 min
